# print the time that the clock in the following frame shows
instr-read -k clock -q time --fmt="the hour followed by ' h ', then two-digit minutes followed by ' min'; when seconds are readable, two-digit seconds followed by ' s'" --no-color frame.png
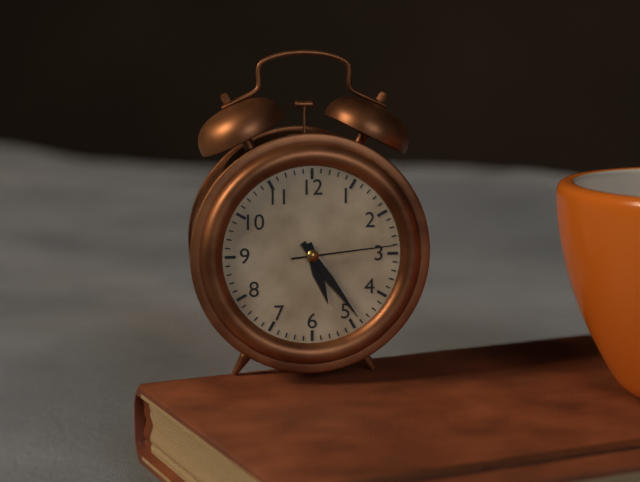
5 h 24 min 14 s
